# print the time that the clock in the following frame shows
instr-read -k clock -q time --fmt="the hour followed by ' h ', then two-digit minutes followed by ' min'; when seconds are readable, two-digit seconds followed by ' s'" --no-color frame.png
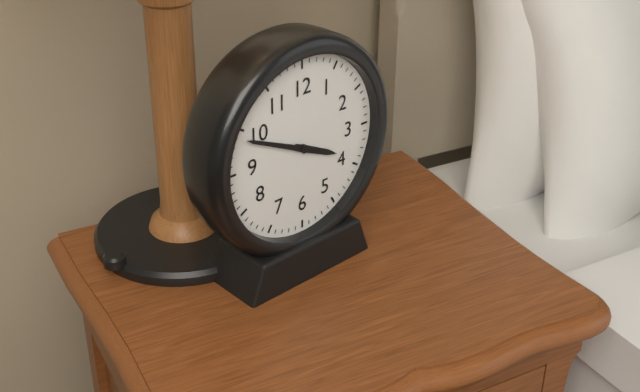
3 h 49 min
